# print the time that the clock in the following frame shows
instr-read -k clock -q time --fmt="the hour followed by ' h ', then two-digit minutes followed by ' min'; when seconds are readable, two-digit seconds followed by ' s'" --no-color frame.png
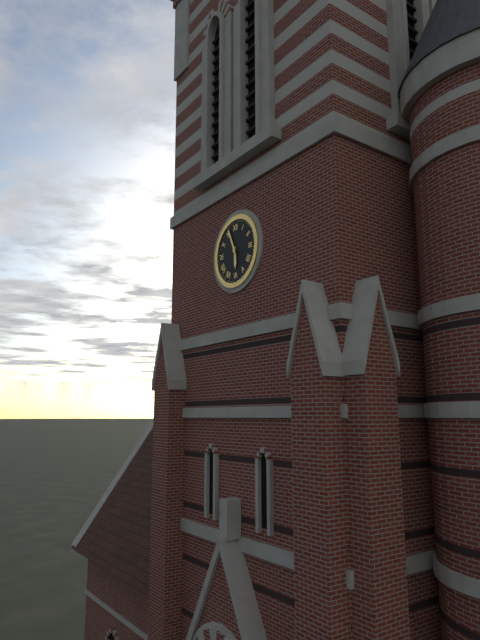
5 h 56 min
